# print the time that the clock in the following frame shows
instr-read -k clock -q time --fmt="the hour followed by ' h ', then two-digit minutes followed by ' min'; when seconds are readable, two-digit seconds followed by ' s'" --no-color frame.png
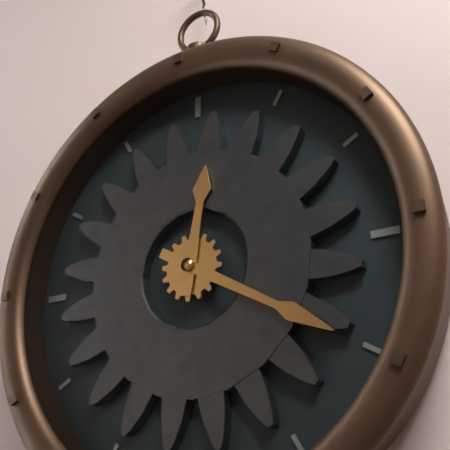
12 h 20 min
